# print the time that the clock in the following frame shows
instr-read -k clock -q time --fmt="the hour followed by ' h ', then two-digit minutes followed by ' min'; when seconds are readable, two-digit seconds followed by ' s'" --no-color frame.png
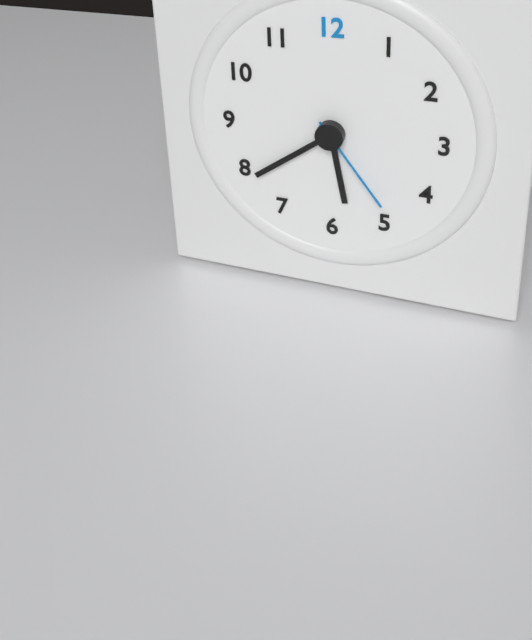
5 h 39 min 24 s
